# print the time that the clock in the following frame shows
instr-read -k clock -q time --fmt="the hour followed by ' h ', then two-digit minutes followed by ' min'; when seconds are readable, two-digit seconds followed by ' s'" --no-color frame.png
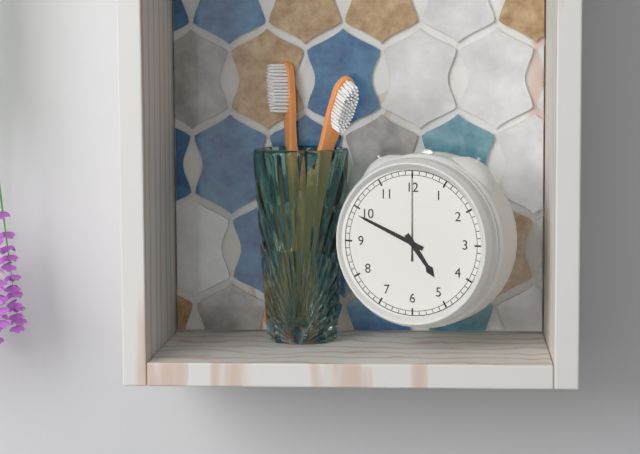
4 h 49 min 00 s
